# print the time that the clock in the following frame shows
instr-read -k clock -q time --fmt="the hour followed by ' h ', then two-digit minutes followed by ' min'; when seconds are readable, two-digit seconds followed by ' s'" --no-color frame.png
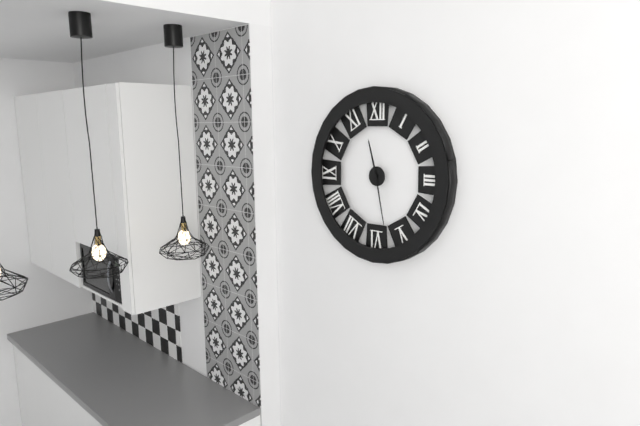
11 h 28 min 28 s
